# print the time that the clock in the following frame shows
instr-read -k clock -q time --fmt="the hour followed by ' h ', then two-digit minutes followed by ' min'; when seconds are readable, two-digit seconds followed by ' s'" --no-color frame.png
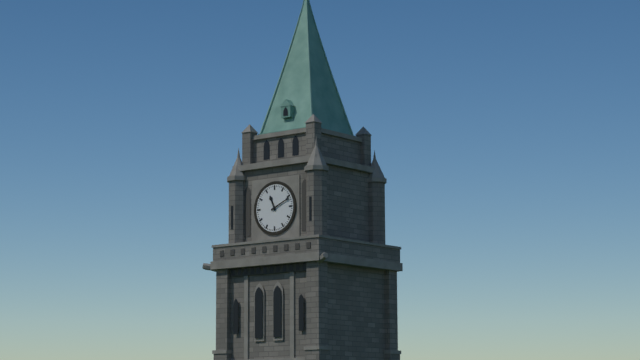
11 h 11 min
